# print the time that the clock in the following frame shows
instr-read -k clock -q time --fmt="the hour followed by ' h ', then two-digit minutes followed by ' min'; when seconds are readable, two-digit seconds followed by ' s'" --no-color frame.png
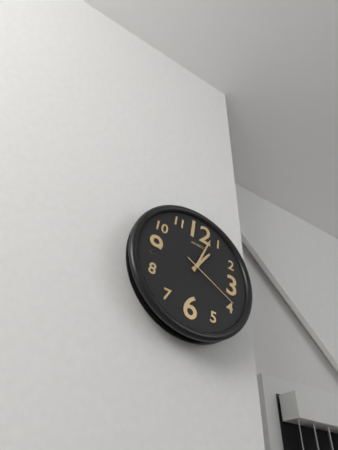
1 h 03 min 19 s
